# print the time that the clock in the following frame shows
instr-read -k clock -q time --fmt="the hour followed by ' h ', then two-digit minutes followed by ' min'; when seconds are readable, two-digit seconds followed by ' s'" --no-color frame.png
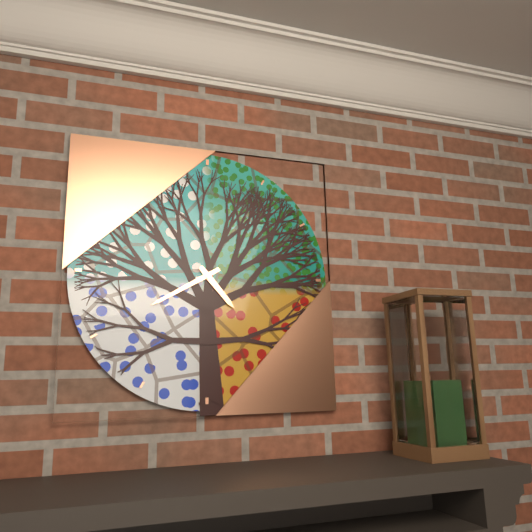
4 h 40 min
